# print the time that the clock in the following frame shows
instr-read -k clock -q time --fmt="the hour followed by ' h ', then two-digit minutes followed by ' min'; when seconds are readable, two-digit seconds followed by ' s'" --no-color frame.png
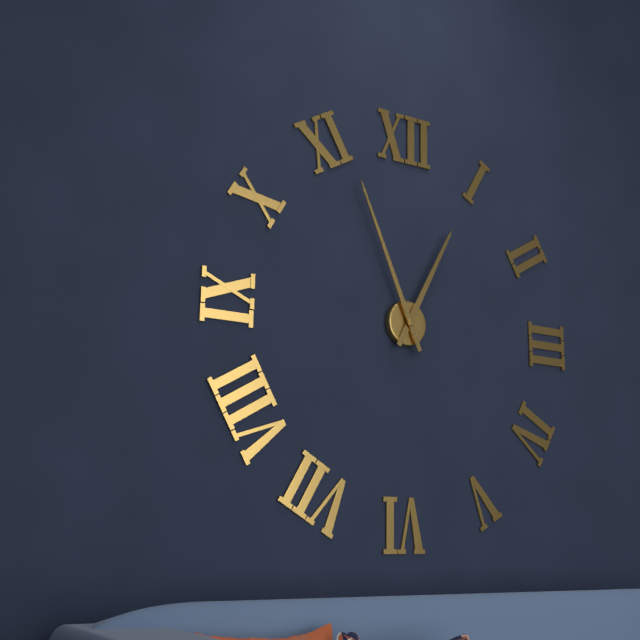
12 h 56 min
